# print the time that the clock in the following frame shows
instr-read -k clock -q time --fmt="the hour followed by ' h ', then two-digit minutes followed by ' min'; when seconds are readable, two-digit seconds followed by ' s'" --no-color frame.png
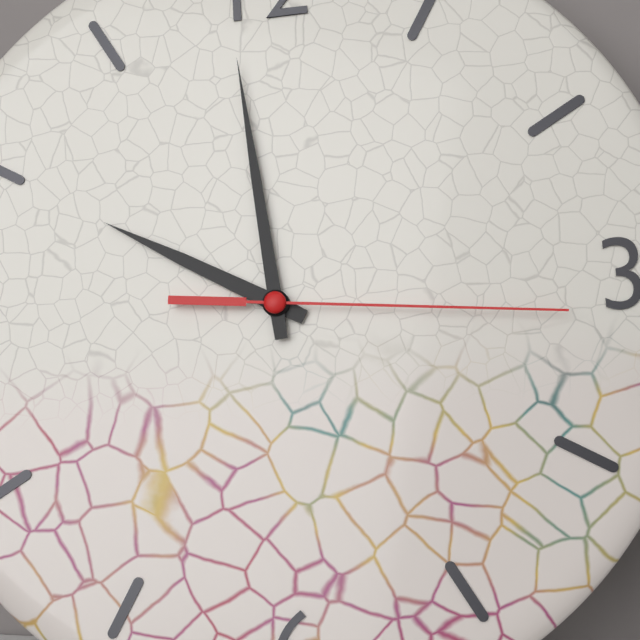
9 h 59 min 16 s
